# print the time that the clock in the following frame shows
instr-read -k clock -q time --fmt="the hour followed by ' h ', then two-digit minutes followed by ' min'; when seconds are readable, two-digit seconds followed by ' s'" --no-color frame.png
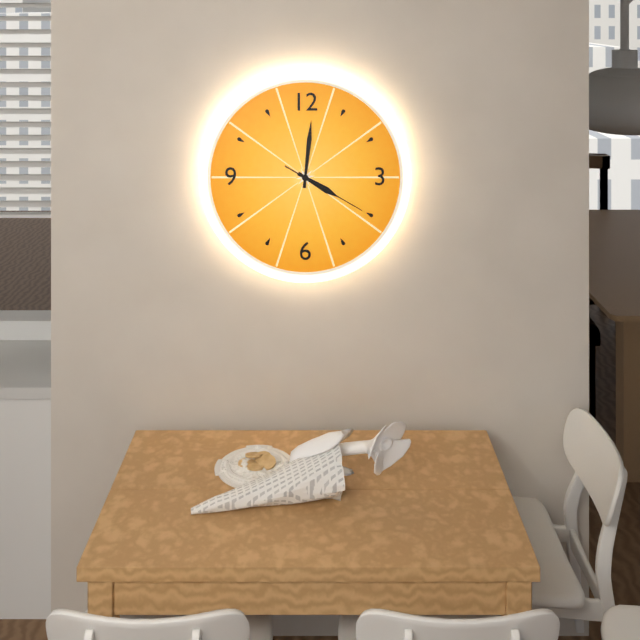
4 h 01 min 20 s
